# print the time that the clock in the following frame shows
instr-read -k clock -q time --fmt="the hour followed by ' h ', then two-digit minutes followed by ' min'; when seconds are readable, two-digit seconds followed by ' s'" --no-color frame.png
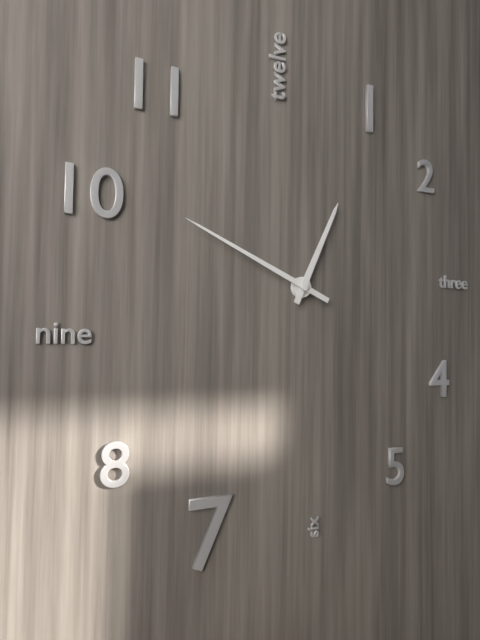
12 h 49 min
